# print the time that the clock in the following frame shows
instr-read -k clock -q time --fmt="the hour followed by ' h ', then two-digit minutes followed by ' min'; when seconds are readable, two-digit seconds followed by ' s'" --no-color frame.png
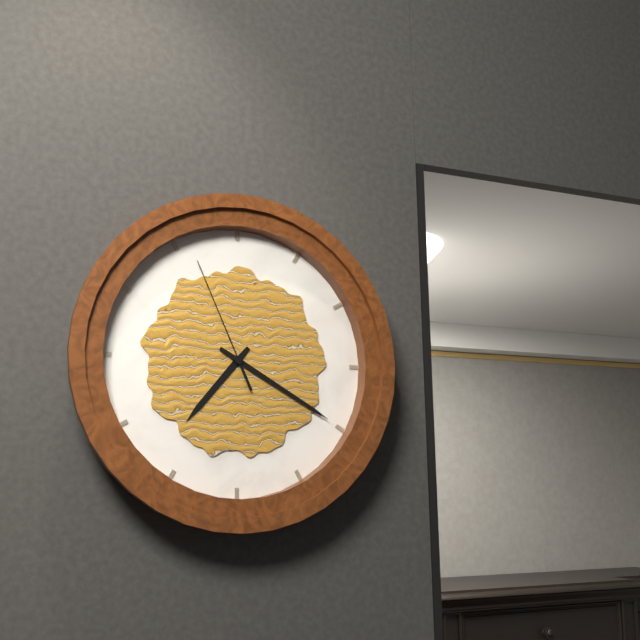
7 h 20 min 56 s
